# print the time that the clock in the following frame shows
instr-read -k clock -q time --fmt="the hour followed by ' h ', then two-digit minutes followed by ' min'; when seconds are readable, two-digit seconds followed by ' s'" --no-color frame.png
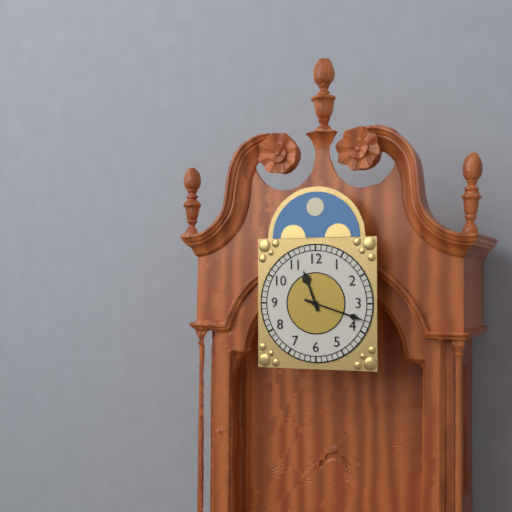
11 h 18 min
